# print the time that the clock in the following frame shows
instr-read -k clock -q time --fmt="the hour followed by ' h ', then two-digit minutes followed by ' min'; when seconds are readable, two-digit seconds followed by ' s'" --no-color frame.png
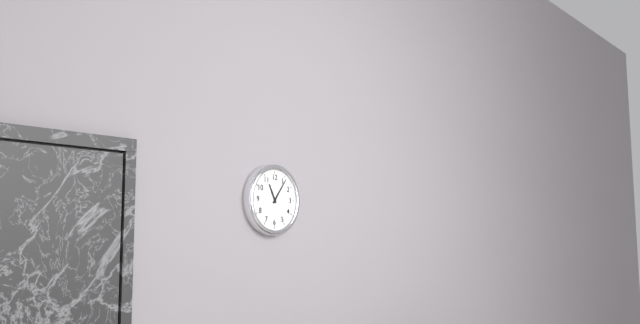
11 h 06 min
